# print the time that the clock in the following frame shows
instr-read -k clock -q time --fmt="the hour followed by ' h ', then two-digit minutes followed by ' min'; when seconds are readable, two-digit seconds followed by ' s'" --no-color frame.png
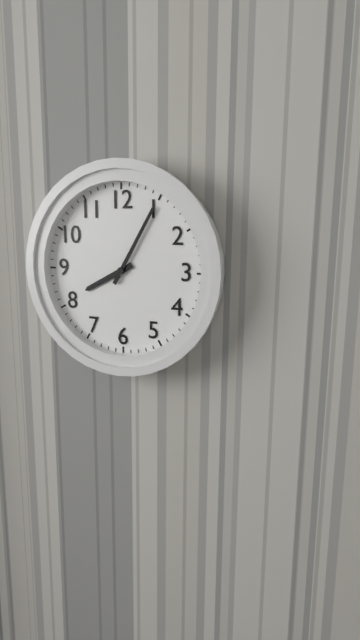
8 h 05 min
